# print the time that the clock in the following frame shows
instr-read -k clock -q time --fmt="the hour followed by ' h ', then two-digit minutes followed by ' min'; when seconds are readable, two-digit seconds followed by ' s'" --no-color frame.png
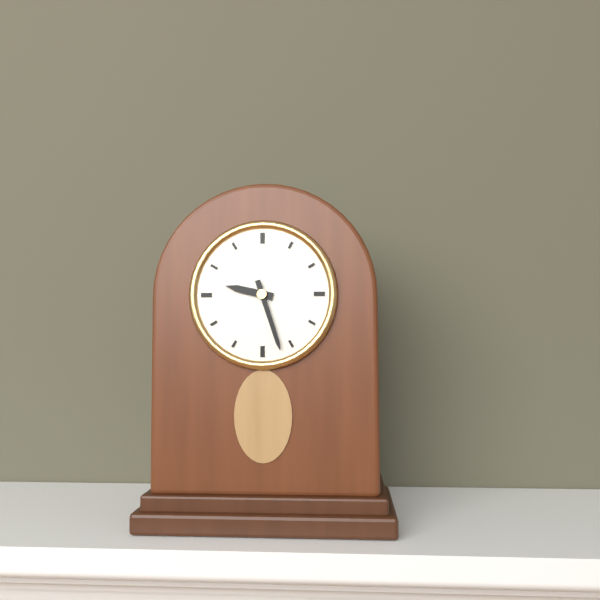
9 h 27 min
